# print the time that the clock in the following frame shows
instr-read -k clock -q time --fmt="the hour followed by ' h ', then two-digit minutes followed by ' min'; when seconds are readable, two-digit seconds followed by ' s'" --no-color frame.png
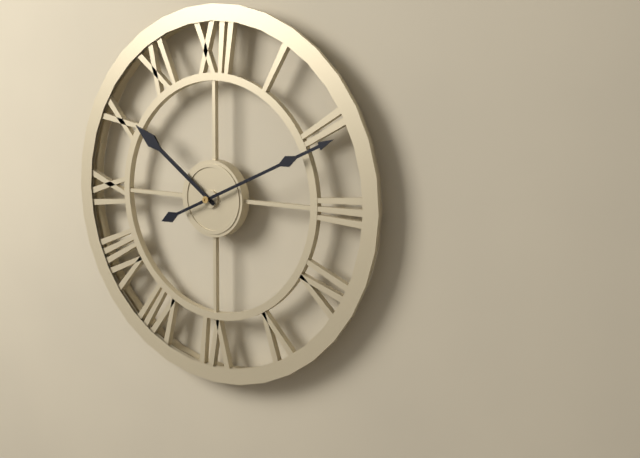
10 h 11 min
